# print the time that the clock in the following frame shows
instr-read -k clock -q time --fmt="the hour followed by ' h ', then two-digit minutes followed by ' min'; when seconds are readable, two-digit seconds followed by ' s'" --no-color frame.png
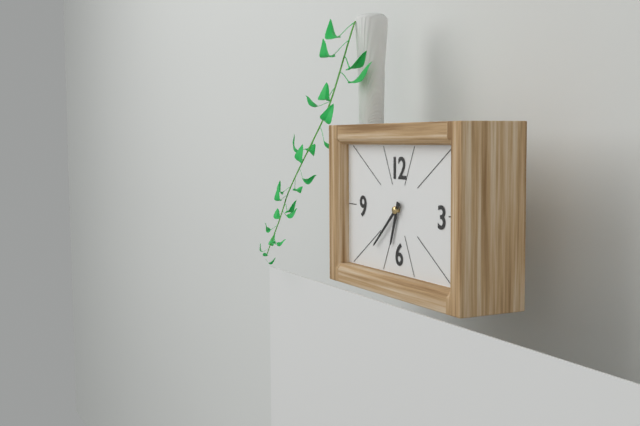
6 h 38 min
